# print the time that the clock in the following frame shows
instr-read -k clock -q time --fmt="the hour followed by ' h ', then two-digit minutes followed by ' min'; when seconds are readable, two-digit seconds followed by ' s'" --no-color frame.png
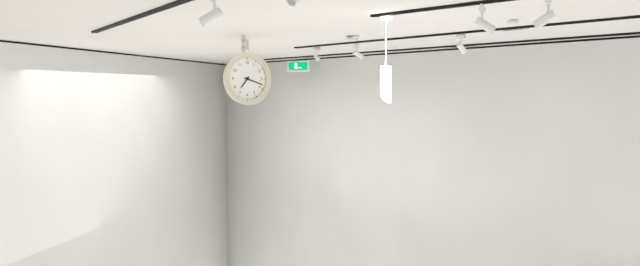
7 h 18 min
